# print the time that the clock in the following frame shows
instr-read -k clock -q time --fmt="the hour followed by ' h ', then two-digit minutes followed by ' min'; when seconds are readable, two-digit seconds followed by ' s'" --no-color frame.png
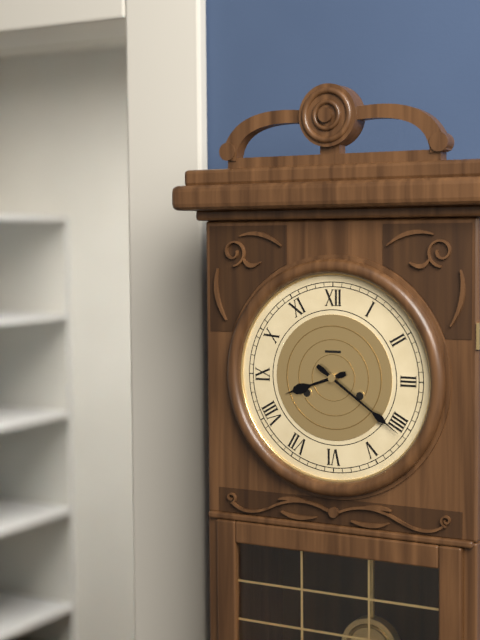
8 h 21 min
